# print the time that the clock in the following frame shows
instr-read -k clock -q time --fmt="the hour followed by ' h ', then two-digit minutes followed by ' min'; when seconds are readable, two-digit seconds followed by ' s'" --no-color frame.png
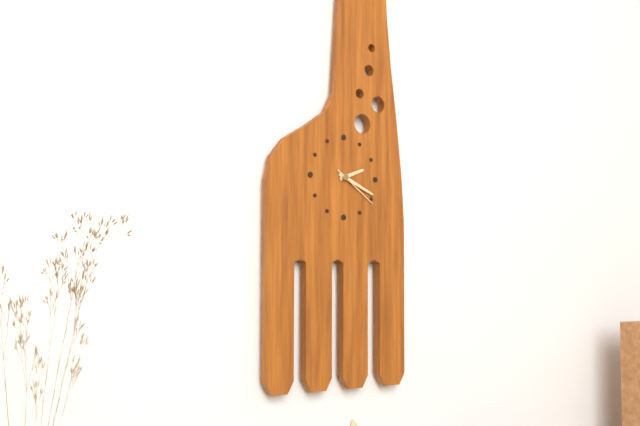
2 h 19 min
